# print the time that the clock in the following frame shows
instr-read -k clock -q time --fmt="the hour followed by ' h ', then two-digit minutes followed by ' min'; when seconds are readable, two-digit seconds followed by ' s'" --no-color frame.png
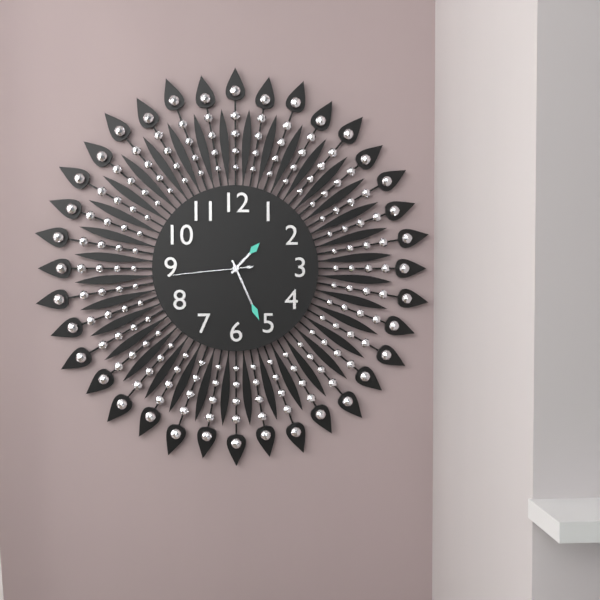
1 h 26 min 44 s
